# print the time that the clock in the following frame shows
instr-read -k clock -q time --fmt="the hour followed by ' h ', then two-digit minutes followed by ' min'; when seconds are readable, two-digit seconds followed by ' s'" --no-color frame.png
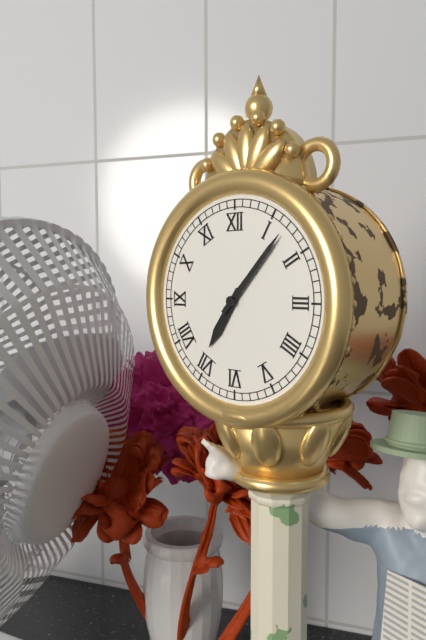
7 h 07 min
